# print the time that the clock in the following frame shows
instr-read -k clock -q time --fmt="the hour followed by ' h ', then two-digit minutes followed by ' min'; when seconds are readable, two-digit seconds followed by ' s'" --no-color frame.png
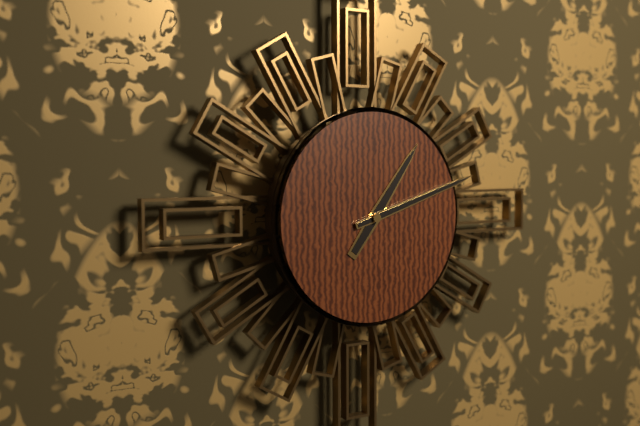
1 h 12 min
